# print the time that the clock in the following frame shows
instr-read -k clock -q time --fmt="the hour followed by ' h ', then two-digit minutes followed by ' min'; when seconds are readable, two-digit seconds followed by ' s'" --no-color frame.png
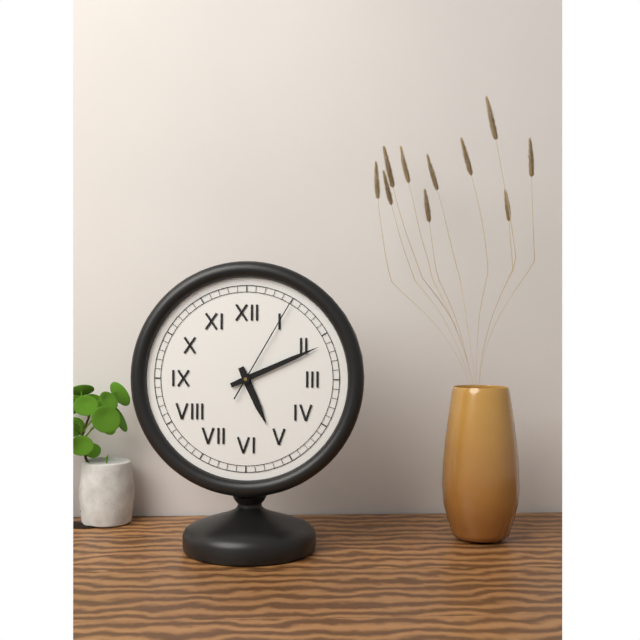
5 h 11 min 05 s
